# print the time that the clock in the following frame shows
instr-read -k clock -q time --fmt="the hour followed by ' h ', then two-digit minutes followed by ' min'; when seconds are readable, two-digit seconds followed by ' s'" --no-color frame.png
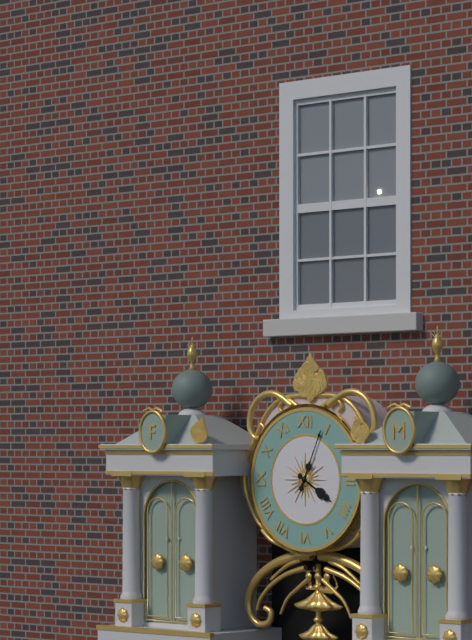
4 h 04 min
